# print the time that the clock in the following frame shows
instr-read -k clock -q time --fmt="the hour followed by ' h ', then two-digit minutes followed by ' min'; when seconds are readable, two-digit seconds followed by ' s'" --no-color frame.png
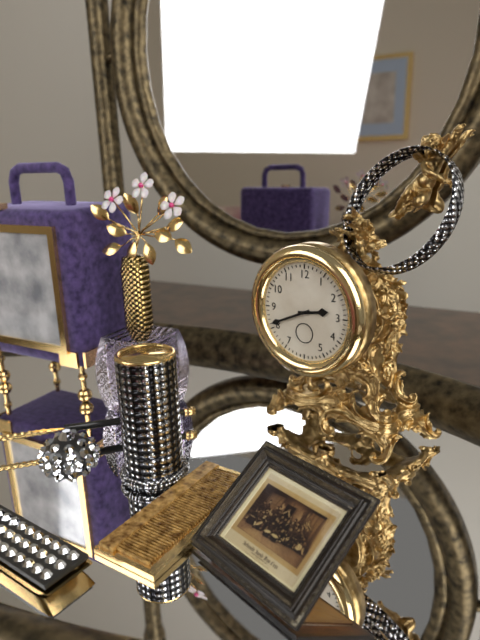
2 h 41 min
